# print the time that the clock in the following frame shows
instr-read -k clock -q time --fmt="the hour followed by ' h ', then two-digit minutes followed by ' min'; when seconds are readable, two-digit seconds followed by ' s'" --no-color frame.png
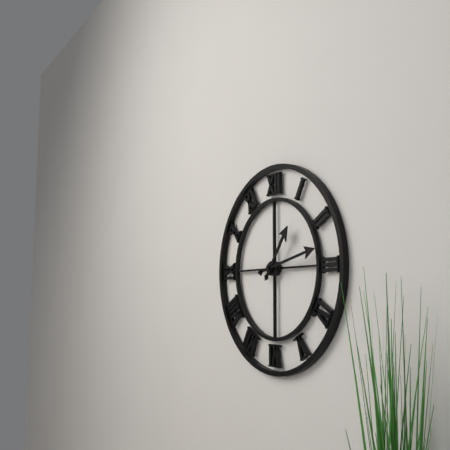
1 h 13 min
